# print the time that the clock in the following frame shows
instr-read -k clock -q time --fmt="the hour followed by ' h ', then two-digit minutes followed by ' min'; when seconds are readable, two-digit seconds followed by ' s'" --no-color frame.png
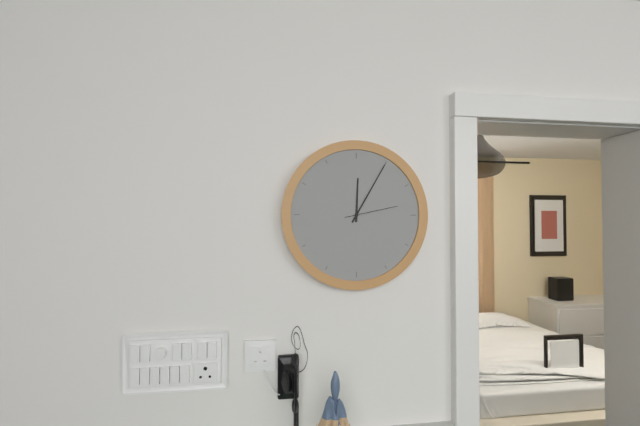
12 h 05 min 13 s
